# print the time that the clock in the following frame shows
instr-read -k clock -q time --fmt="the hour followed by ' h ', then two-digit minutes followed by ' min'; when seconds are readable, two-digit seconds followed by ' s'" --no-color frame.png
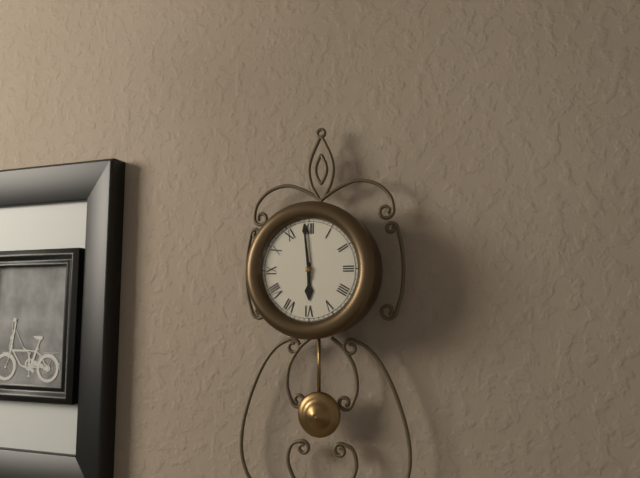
5 h 59 min
